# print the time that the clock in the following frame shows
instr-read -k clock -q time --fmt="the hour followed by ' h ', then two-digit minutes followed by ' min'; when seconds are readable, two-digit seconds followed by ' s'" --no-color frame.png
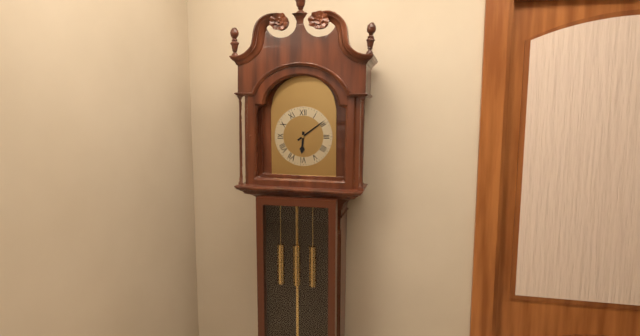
6 h 09 min
